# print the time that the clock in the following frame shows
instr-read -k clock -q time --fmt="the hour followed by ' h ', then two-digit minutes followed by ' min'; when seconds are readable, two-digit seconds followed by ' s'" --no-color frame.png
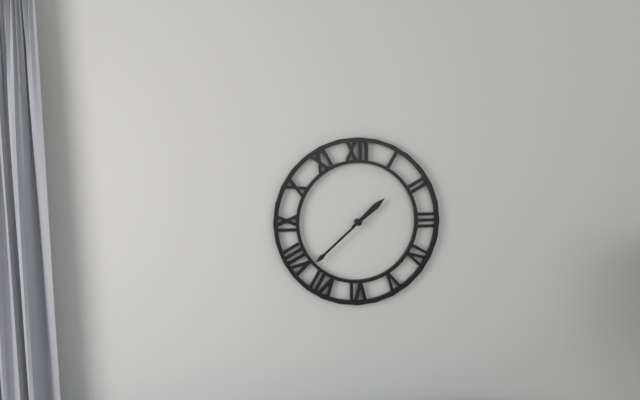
1 h 38 min
